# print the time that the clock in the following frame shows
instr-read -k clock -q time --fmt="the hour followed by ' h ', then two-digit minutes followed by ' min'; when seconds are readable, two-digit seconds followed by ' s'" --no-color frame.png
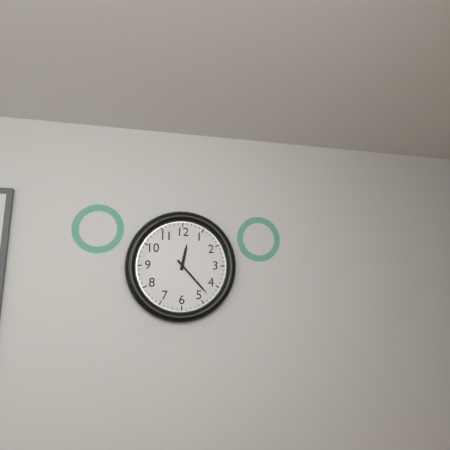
12 h 23 min
